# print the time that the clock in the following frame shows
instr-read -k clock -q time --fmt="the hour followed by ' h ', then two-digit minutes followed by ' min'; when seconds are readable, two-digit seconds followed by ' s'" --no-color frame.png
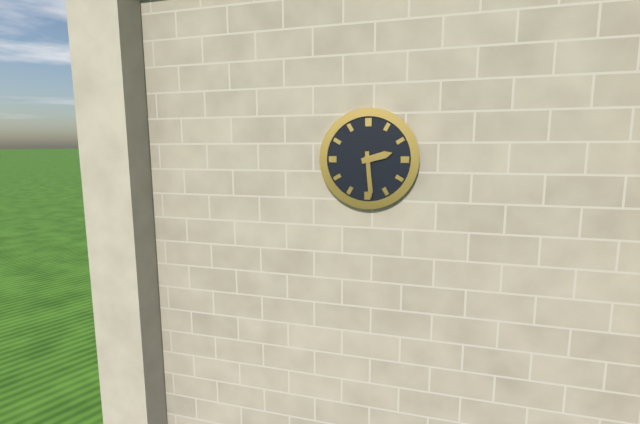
2 h 29 min
